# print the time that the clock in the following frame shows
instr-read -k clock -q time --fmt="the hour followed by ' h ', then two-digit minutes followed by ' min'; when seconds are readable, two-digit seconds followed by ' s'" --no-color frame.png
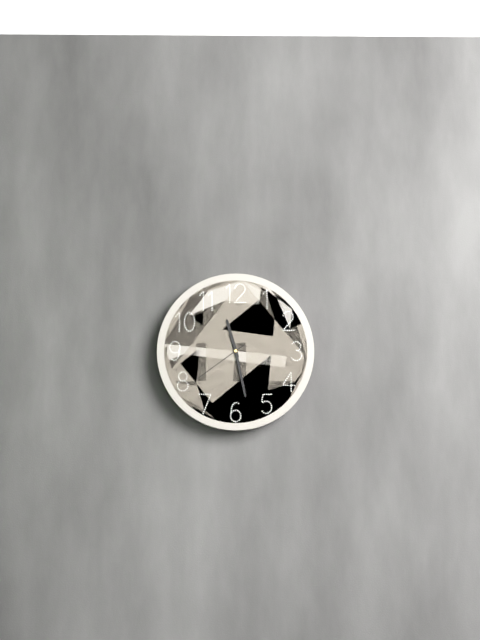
11 h 28 min 39 s
